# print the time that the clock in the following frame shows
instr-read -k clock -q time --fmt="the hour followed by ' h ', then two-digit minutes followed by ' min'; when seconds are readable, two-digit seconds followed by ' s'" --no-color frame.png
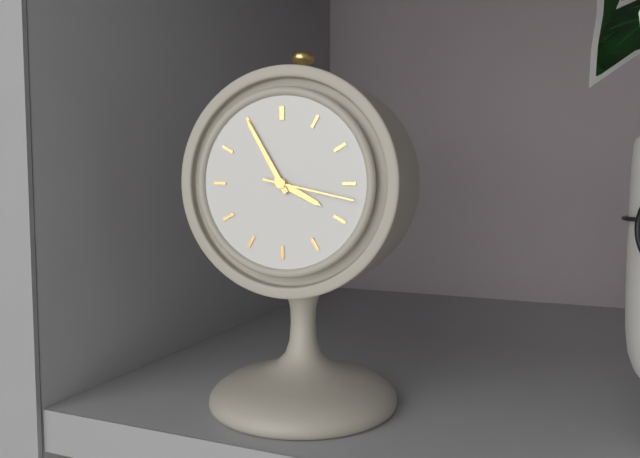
3 h 55 min 17 s
